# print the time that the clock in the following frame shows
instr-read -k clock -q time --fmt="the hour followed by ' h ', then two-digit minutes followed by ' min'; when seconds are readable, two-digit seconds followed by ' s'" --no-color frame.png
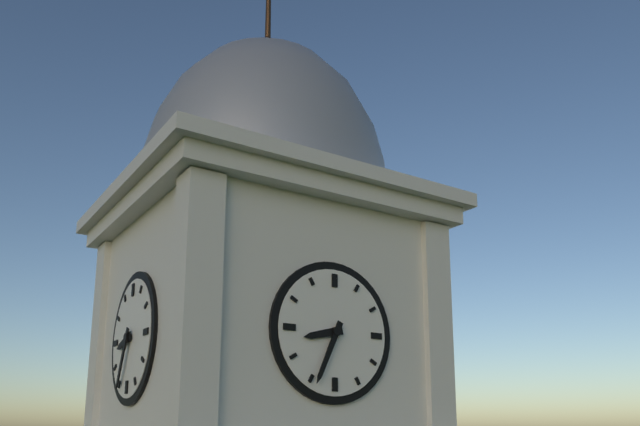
8 h 34 min
